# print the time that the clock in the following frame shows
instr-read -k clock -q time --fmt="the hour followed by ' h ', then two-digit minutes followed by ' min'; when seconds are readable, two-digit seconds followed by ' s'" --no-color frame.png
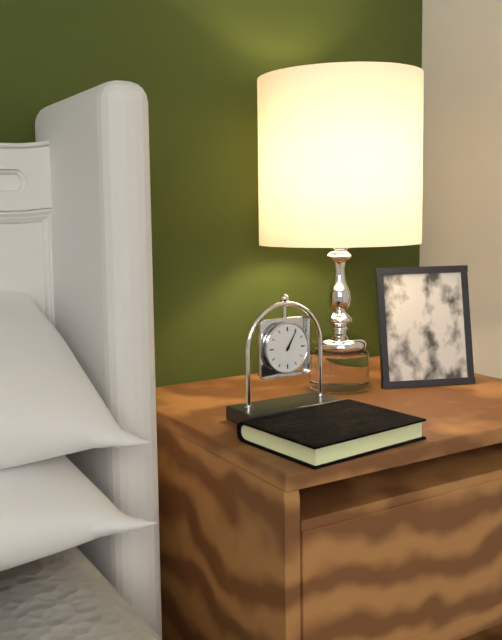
1 h 05 min
